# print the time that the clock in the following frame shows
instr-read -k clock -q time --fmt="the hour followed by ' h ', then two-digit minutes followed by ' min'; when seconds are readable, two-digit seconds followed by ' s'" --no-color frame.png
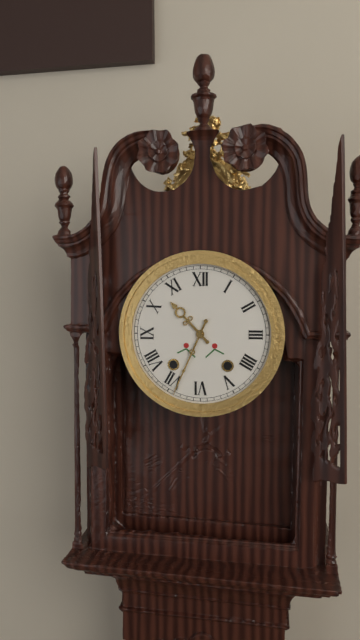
10 h 34 min
